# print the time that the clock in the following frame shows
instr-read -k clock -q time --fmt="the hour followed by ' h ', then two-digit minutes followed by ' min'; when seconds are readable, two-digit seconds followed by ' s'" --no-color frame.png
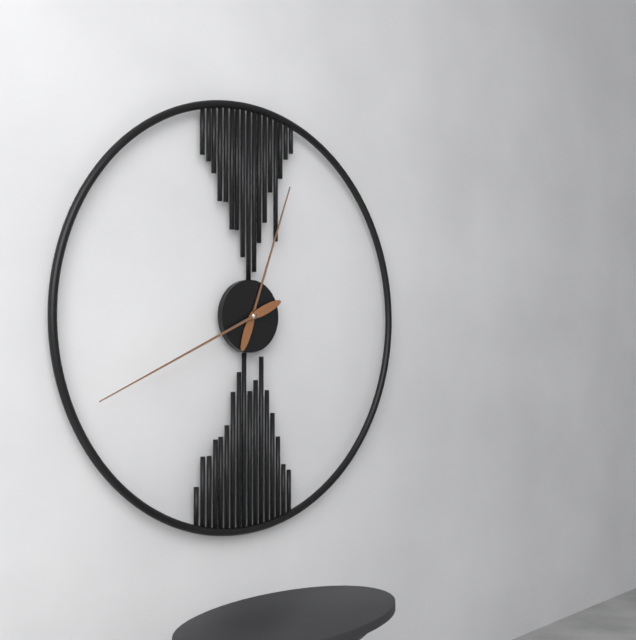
12 h 41 min
